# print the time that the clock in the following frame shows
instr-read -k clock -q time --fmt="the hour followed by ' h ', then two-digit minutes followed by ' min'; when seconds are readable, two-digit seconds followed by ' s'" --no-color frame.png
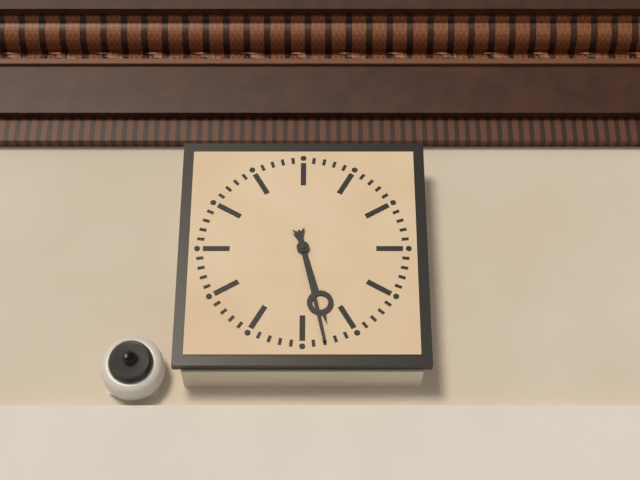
5 h 28 min
